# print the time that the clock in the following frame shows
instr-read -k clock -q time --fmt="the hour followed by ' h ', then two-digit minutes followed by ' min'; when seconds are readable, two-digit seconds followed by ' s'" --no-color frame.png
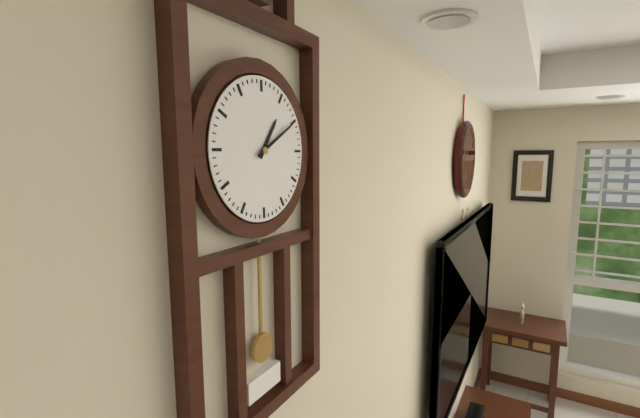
1 h 10 min
